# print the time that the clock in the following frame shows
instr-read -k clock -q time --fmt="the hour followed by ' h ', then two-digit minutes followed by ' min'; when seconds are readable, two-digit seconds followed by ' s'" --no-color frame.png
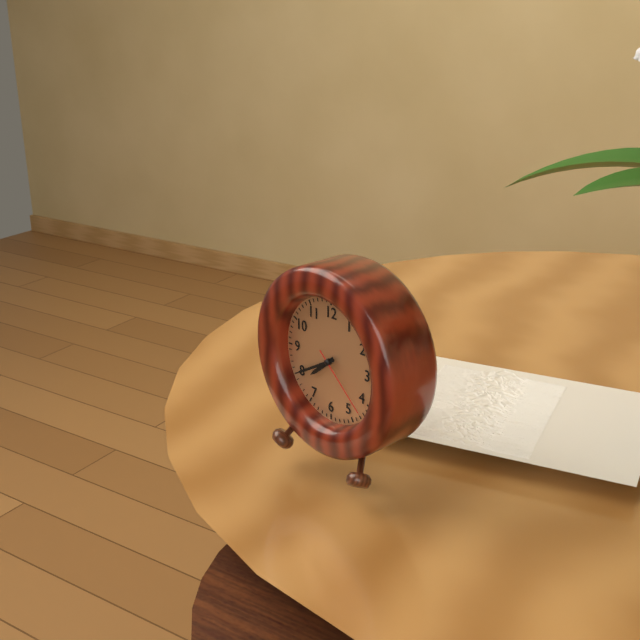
7 h 40 min 22 s
